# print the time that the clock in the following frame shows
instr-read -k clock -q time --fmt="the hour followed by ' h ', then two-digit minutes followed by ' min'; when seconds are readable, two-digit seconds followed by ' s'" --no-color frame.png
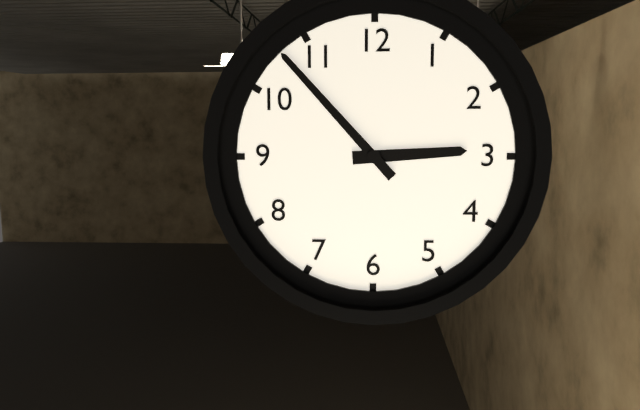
2 h 53 min
